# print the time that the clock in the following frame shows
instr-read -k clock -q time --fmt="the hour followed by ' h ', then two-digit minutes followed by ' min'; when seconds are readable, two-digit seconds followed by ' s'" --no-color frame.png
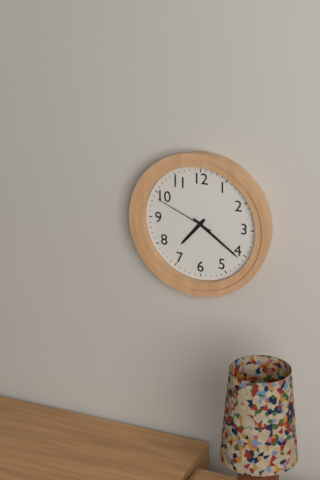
7 h 21 min 49 s
